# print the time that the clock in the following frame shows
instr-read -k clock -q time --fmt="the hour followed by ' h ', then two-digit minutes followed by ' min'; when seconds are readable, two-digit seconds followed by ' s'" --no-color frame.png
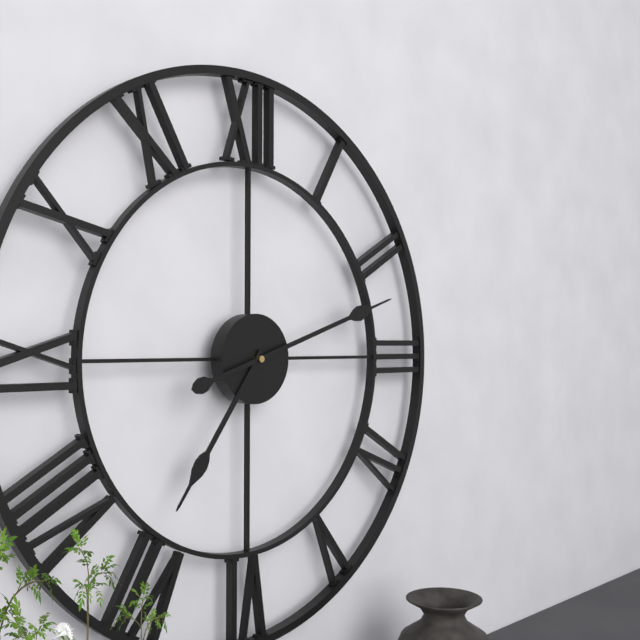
7 h 12 min
